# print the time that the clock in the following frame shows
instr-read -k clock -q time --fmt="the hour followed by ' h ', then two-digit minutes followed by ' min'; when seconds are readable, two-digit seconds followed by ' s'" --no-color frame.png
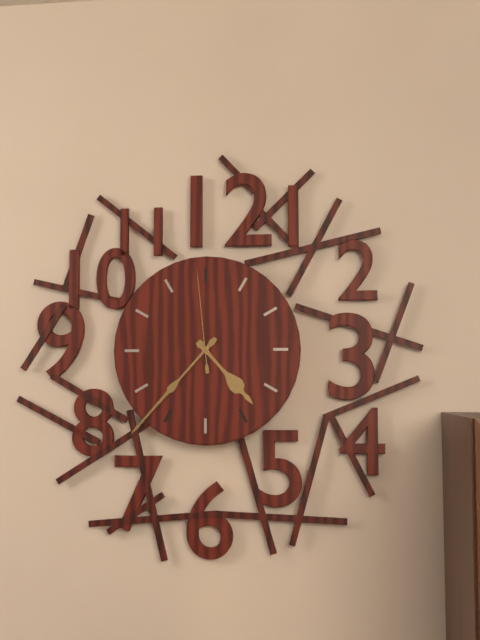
4 h 37 min 59 s
